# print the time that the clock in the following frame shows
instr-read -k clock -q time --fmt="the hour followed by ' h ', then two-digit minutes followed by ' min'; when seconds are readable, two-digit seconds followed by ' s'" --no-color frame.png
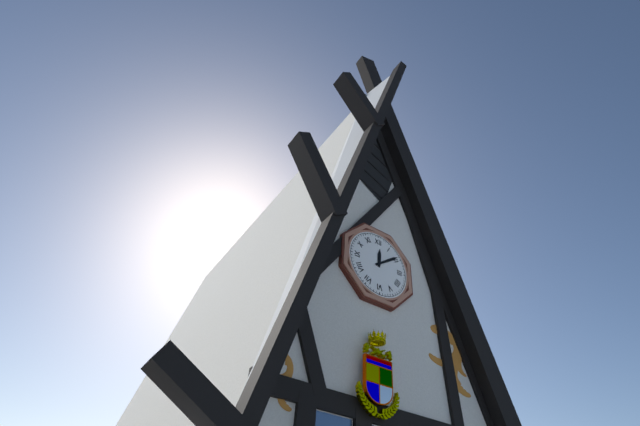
12 h 09 min
